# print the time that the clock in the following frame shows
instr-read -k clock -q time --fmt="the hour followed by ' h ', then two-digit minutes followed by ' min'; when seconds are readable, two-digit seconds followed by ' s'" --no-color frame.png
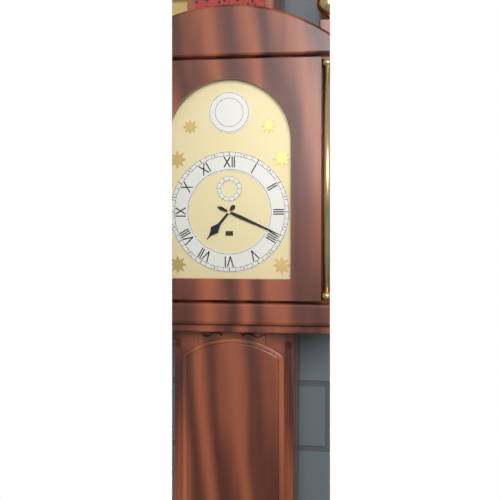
7 h 19 min
